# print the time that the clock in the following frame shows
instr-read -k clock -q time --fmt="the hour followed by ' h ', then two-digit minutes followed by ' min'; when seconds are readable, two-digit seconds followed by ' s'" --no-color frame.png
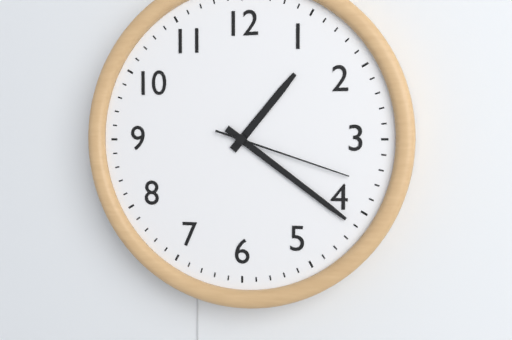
1 h 21 min 18 s
